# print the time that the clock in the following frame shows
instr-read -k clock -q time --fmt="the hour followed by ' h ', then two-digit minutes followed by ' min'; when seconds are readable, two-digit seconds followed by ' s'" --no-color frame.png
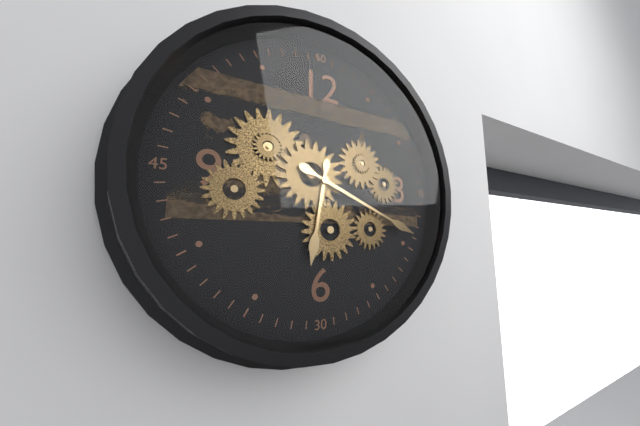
6 h 19 min
